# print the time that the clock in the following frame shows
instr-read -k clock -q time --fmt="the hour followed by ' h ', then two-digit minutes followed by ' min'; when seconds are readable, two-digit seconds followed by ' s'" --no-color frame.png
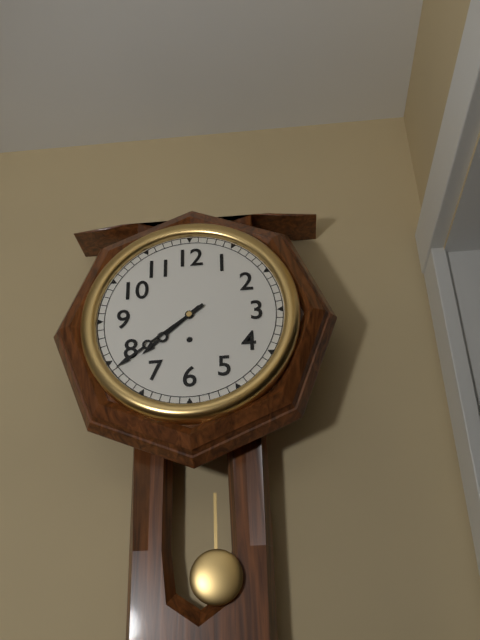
7 h 39 min
